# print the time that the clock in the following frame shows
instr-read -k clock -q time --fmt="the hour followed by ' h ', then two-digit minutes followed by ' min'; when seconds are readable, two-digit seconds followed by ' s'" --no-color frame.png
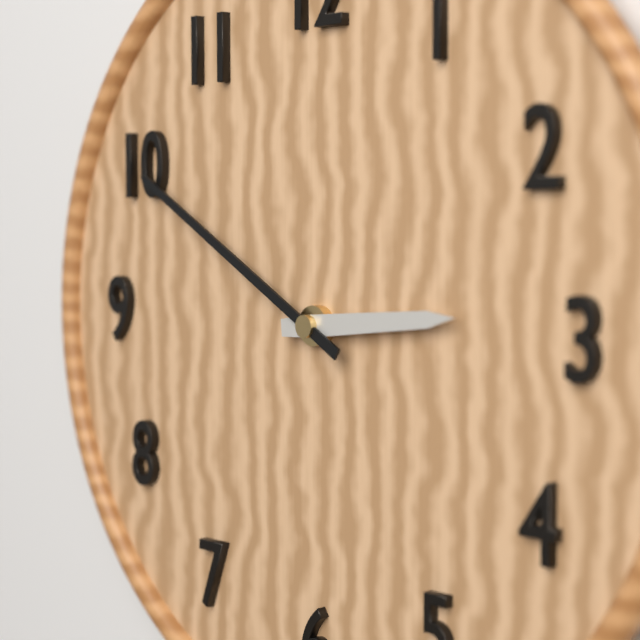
2 h 50 min
